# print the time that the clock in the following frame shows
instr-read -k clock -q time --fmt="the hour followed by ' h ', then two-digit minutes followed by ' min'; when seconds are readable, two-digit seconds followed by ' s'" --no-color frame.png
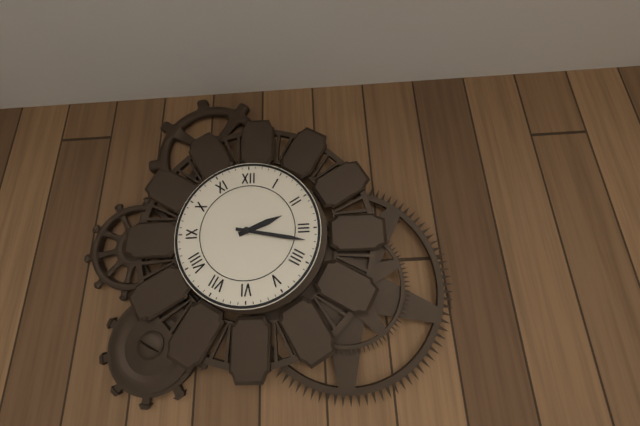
2 h 17 min
